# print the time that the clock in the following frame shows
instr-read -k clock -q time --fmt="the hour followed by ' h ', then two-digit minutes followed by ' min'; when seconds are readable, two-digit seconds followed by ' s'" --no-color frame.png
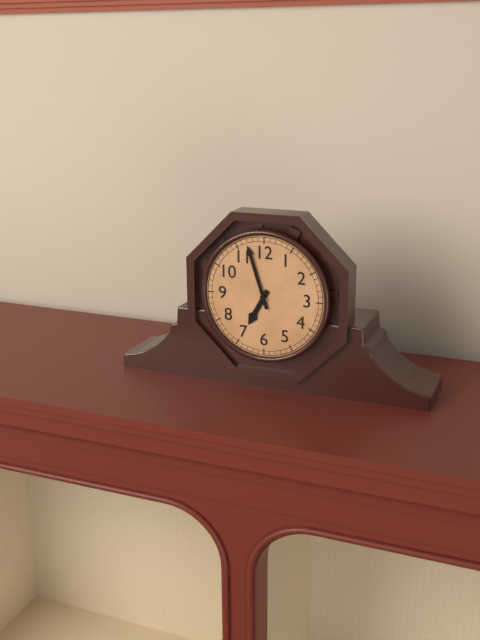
6 h 57 min
